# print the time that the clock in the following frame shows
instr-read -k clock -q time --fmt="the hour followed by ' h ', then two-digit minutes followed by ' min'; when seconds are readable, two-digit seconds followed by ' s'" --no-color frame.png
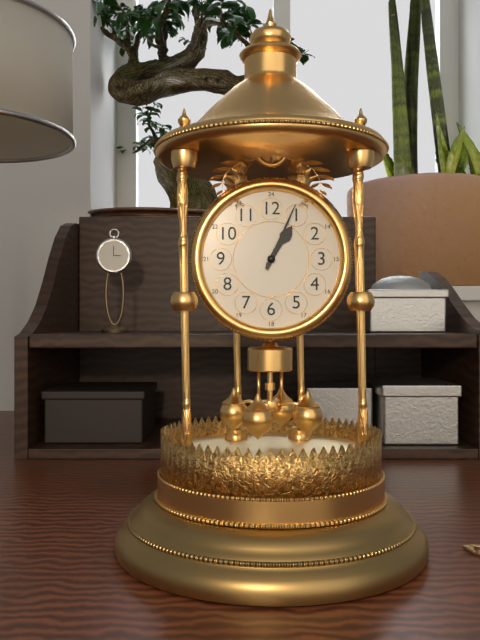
1 h 04 min
